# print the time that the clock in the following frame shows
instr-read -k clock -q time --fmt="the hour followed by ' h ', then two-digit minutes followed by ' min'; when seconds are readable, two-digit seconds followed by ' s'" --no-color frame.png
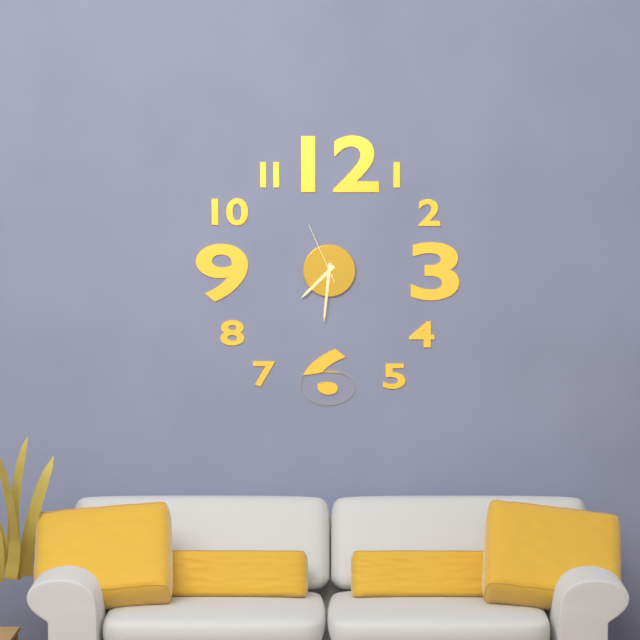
7 h 31 min 56 s
